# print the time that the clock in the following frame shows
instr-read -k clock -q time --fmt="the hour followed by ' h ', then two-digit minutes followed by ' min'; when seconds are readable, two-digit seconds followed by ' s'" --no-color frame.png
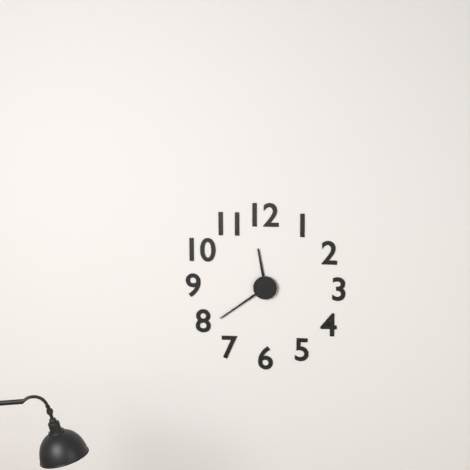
11 h 39 min
